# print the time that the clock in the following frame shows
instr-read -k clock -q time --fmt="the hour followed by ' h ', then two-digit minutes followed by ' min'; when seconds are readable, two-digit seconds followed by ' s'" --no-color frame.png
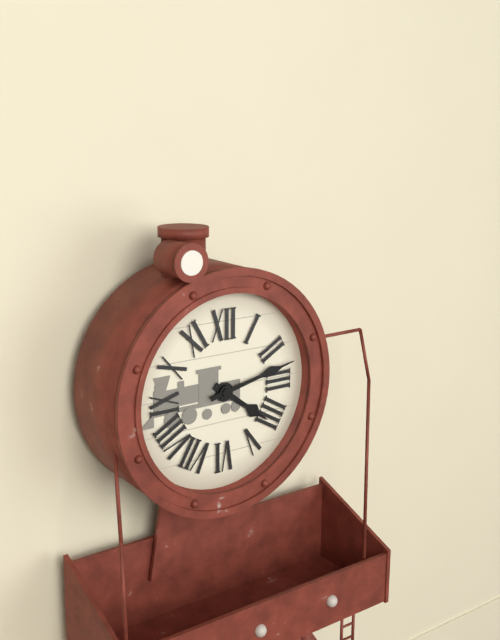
4 h 13 min
